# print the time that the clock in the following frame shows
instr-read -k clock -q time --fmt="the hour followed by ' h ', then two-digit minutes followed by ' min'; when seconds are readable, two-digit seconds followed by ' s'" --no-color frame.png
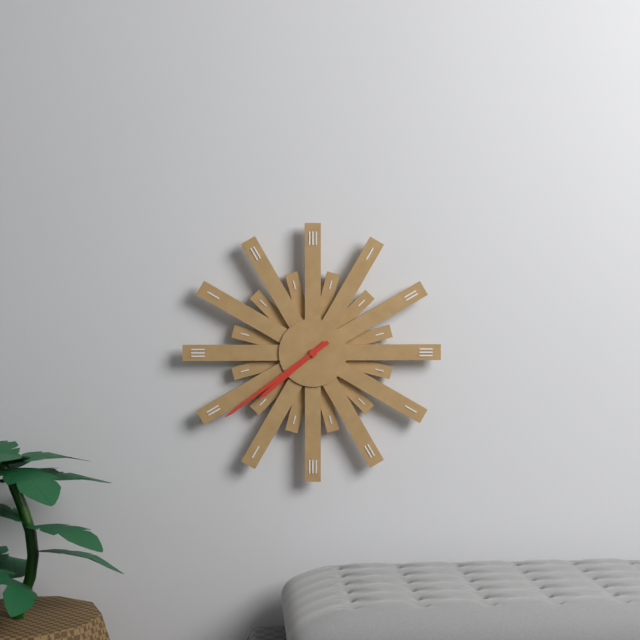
7 h 39 min
